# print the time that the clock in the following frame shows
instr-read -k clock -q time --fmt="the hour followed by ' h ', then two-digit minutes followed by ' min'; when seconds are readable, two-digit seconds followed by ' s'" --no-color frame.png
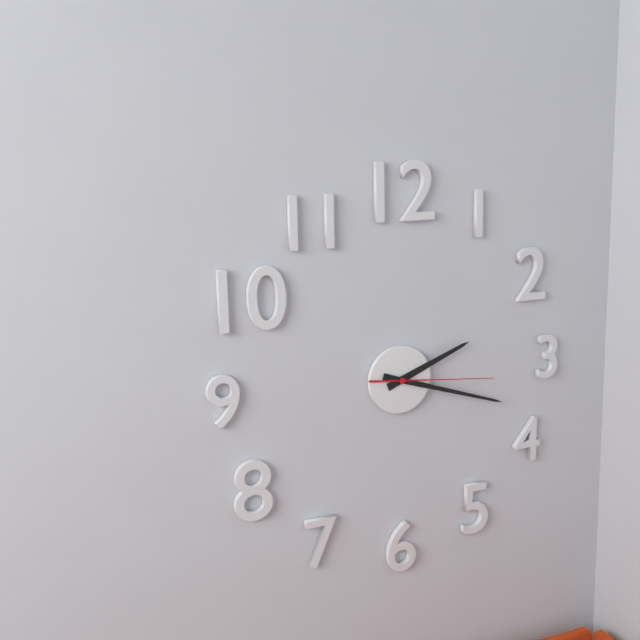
2 h 18 min 16 s
